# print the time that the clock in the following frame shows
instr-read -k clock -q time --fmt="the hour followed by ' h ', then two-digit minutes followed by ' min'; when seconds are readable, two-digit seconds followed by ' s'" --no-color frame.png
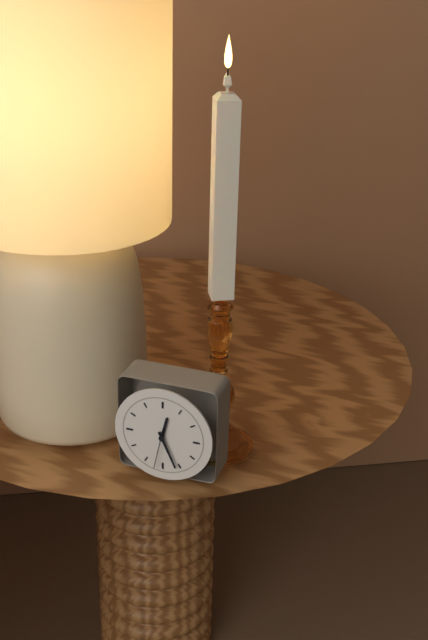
12 h 26 min 32 s
